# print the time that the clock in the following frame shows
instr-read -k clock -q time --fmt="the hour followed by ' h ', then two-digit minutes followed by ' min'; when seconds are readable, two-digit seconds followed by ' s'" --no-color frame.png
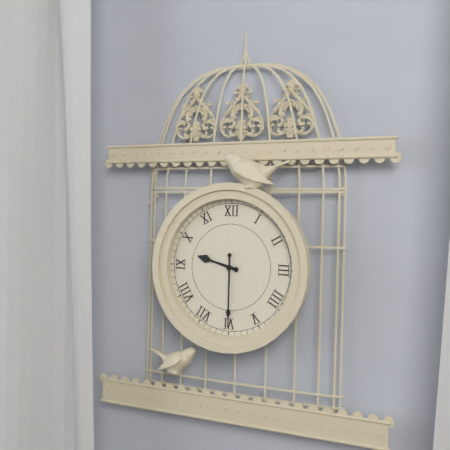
9 h 30 min
